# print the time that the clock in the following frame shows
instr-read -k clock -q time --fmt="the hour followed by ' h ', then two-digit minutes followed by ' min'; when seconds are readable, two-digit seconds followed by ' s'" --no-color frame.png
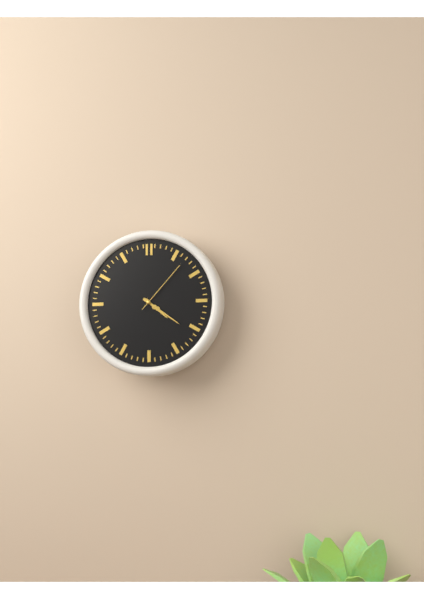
4 h 21 min 07 s
